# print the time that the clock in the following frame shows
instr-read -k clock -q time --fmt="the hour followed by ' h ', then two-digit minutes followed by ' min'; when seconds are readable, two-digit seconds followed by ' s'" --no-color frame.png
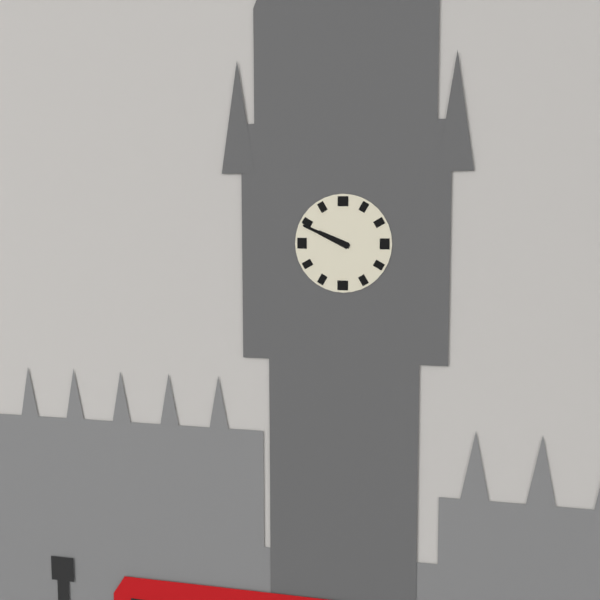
9 h 49 min
